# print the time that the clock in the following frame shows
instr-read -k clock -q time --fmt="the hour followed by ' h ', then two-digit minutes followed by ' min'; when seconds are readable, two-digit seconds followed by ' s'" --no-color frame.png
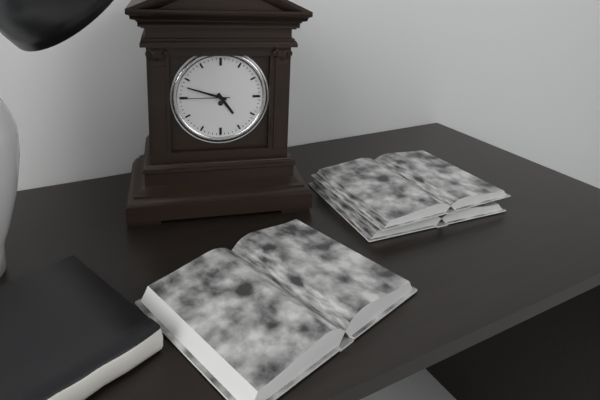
4 h 48 min
